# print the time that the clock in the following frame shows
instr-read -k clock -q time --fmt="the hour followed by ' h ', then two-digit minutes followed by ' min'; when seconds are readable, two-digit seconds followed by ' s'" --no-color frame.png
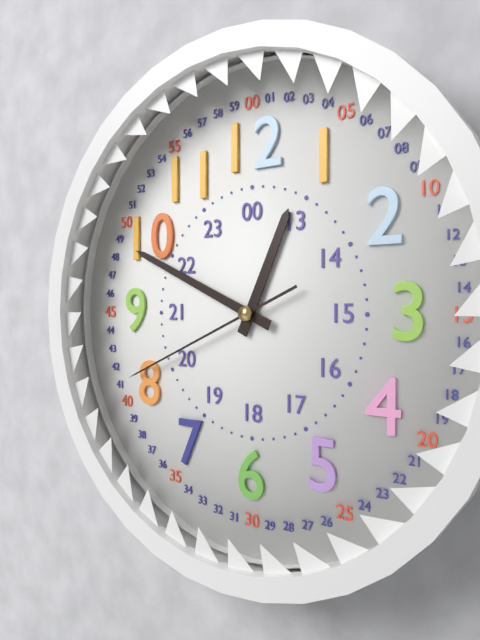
12 h 49 min 41 s
